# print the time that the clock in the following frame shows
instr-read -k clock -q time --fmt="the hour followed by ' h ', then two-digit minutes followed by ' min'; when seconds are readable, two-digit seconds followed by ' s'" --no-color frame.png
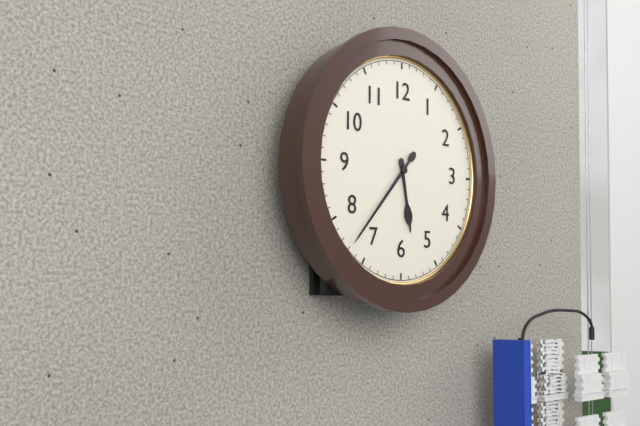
5 h 37 min
